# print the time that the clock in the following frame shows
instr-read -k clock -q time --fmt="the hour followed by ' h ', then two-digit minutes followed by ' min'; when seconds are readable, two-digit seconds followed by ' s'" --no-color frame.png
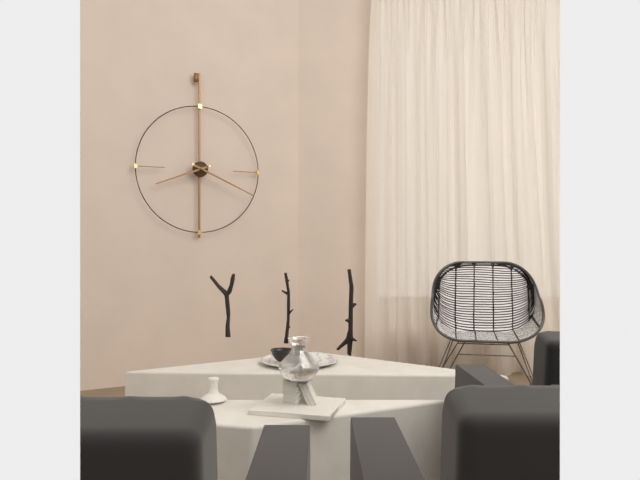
8 h 19 min
